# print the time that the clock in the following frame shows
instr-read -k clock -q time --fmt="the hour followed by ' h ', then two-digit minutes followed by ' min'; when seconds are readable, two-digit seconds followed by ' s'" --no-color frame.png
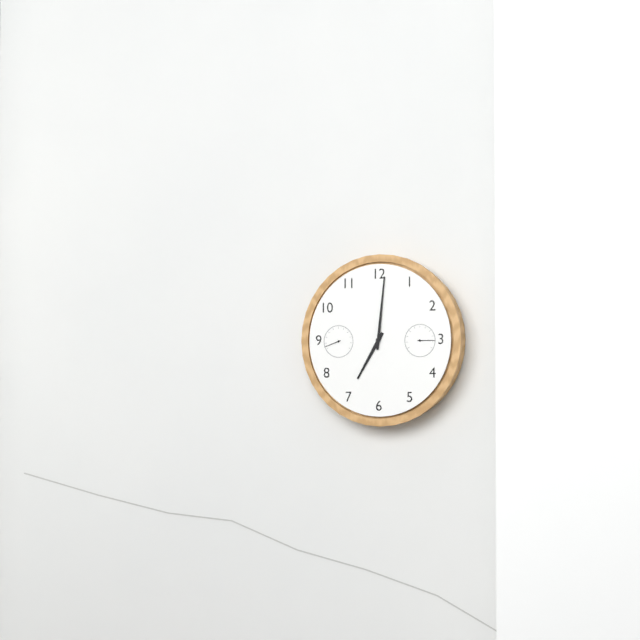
7 h 01 min
